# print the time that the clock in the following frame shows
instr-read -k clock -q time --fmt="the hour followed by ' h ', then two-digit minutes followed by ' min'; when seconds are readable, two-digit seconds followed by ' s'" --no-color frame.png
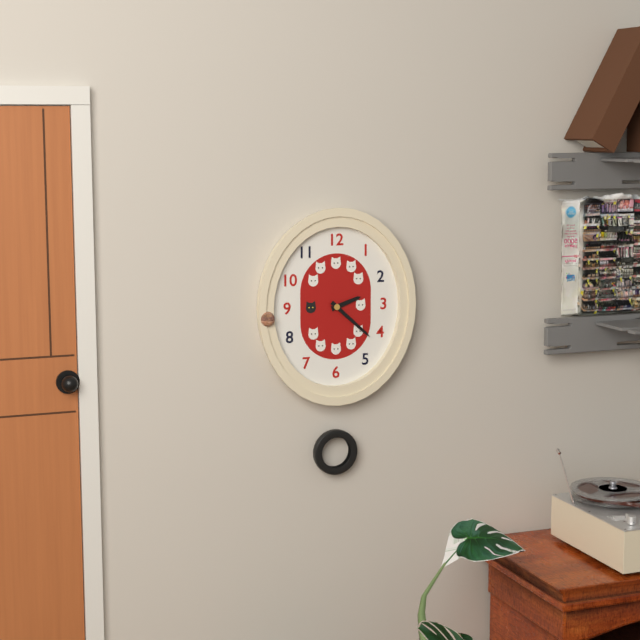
2 h 22 min
